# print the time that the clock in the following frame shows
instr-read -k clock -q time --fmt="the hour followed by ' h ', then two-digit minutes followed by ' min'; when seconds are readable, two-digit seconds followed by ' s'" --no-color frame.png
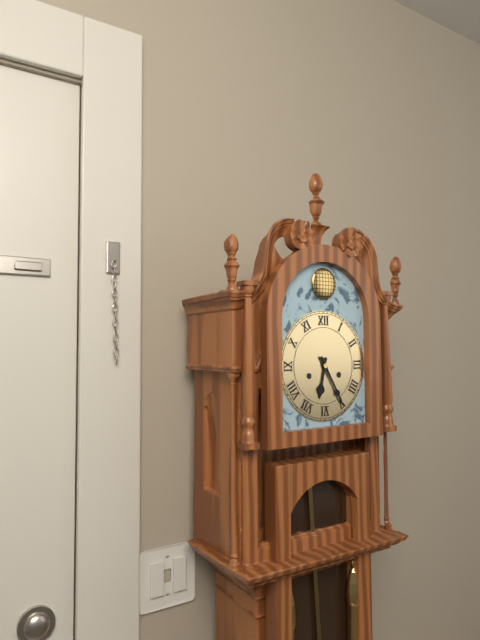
6 h 25 min
